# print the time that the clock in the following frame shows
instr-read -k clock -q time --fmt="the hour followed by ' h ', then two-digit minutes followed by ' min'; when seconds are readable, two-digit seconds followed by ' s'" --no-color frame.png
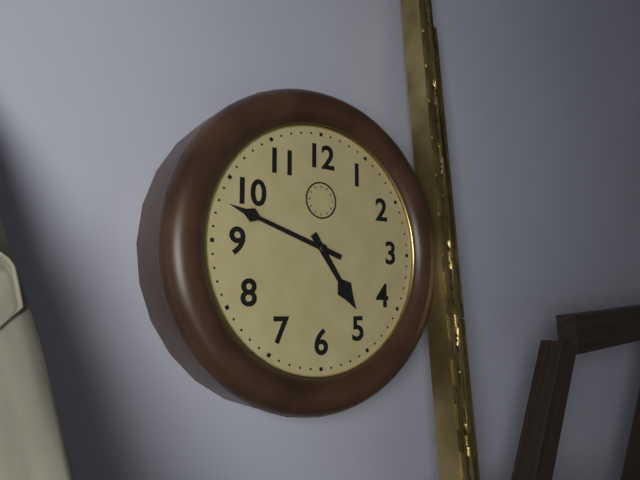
4 h 48 min
